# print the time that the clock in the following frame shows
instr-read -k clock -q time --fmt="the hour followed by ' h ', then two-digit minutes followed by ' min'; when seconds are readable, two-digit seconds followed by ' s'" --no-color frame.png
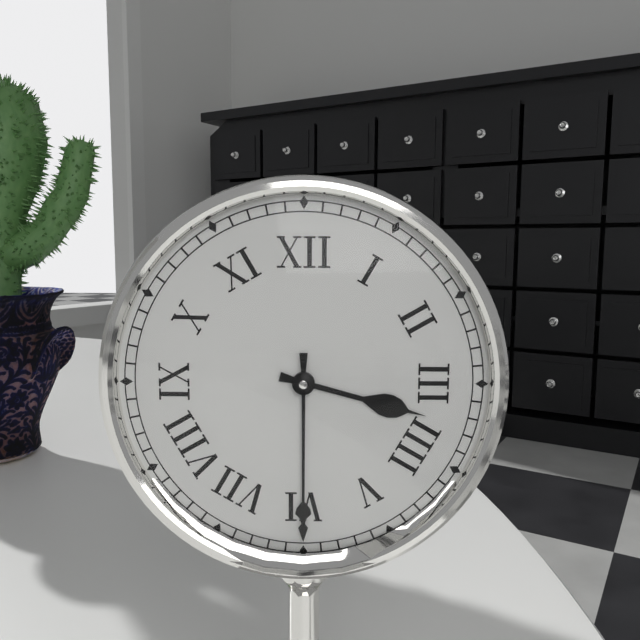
3 h 30 min
